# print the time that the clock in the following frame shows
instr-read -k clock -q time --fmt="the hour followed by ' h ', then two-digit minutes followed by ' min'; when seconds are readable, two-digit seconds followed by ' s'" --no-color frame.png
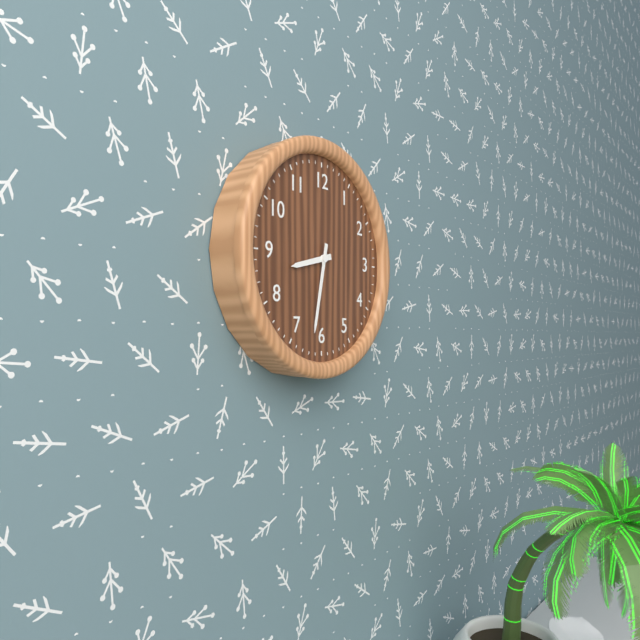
8 h 32 min
